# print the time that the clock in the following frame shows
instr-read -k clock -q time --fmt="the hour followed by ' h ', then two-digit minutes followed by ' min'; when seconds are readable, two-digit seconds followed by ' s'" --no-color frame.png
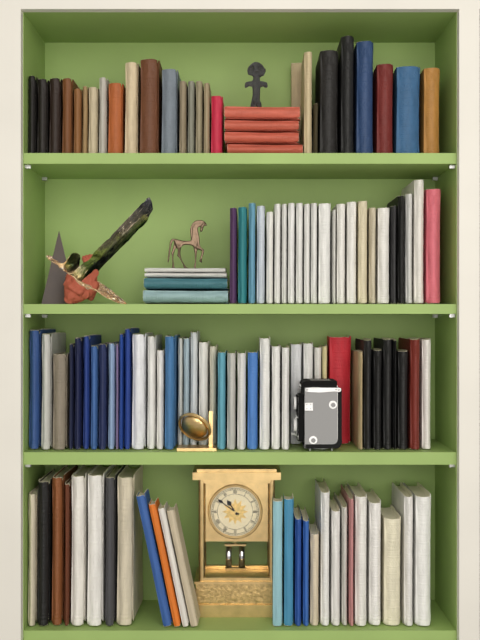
10 h 51 min
